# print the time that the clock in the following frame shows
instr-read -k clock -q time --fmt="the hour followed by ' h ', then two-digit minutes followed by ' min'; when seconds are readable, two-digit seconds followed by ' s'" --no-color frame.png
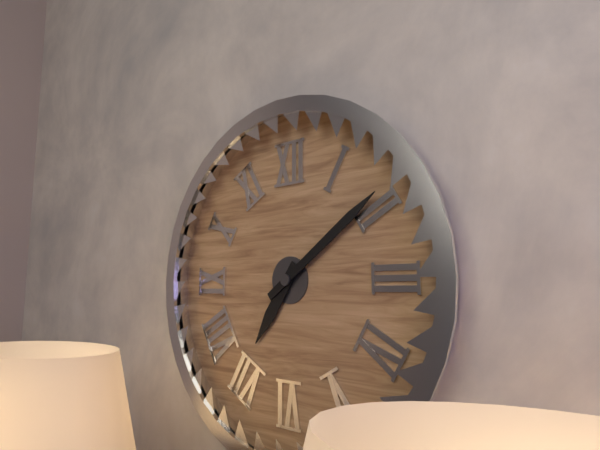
7 h 09 min
